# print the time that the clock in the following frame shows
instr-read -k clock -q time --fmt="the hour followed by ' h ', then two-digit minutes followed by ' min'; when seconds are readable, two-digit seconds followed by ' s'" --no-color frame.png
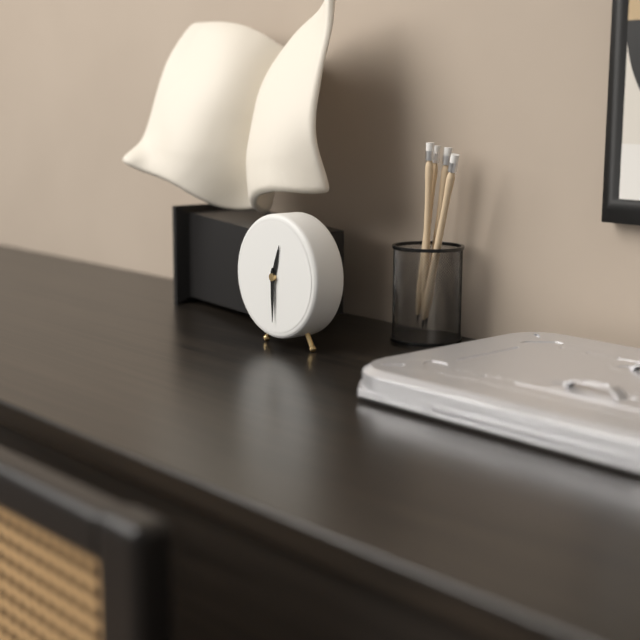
12 h 30 min
